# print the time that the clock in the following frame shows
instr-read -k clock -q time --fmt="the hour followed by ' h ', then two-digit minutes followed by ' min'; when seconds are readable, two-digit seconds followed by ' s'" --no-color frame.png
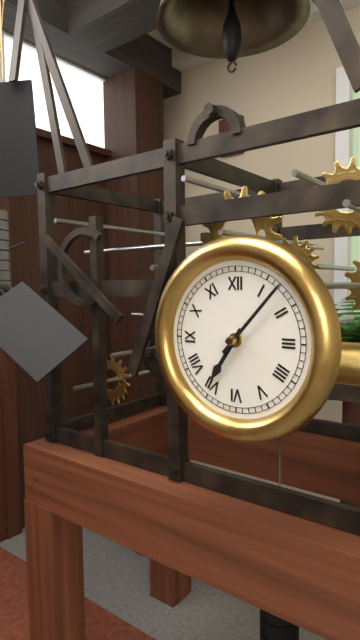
7 h 07 min
